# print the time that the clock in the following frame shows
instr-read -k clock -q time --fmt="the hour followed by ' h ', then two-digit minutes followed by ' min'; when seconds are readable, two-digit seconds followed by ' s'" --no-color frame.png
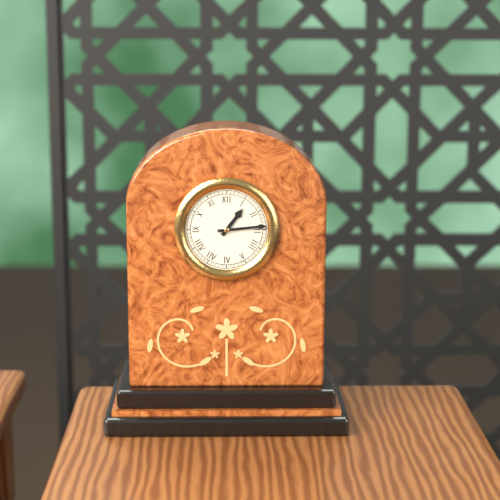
1 h 14 min
